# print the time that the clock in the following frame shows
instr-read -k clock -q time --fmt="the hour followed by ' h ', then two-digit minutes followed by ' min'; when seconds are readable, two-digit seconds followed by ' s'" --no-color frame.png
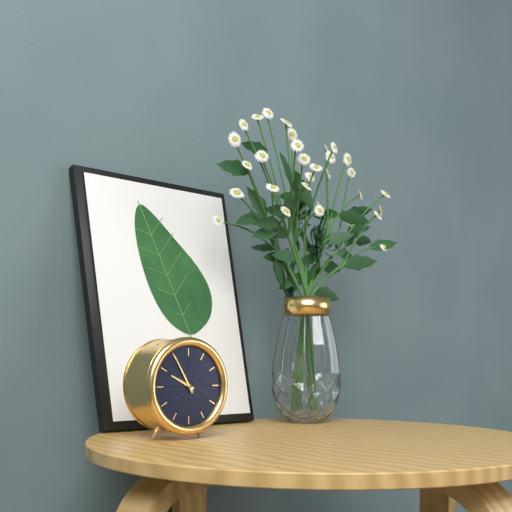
9 h 55 min
